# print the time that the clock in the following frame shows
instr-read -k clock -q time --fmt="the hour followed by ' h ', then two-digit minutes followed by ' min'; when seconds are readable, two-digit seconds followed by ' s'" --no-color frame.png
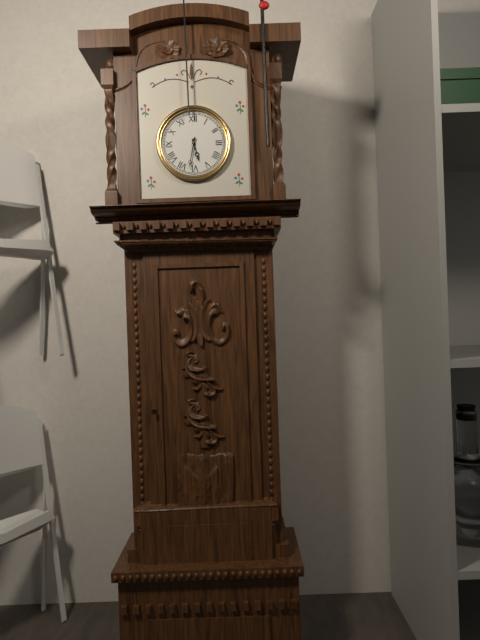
5 h 32 min
